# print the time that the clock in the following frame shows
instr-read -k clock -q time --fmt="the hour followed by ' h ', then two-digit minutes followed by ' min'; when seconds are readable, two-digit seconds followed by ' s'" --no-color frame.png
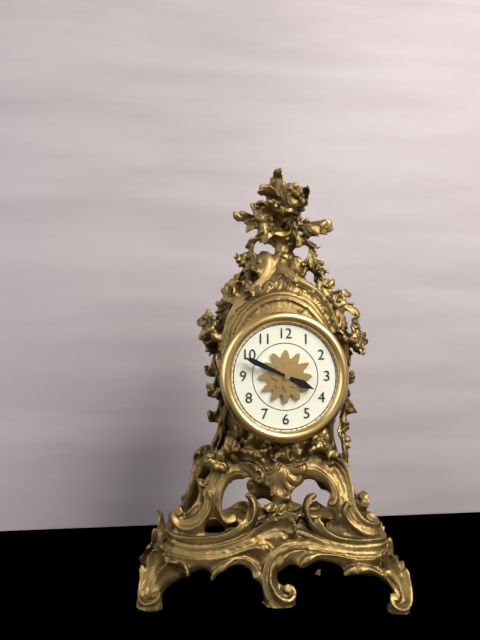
3 h 49 min
